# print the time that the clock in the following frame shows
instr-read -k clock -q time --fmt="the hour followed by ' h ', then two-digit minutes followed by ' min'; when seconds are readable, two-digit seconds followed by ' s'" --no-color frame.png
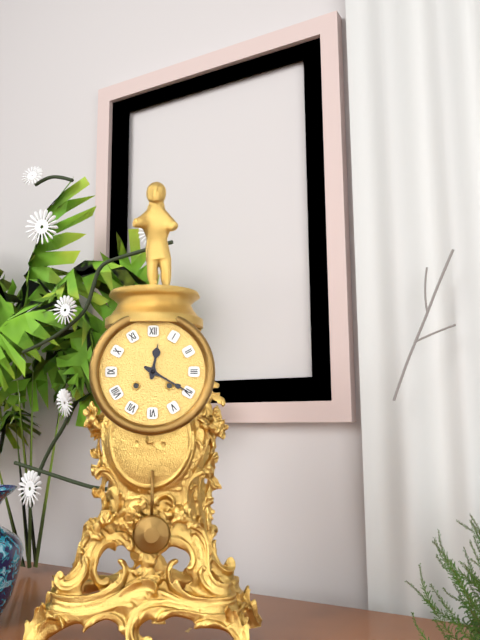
12 h 20 min
